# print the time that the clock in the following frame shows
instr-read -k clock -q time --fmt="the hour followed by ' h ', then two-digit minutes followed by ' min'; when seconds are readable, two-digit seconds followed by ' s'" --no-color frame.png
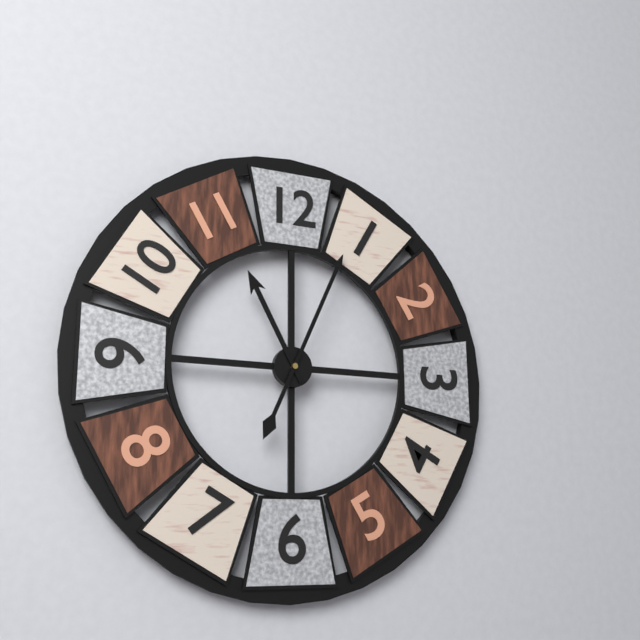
11 h 04 min
